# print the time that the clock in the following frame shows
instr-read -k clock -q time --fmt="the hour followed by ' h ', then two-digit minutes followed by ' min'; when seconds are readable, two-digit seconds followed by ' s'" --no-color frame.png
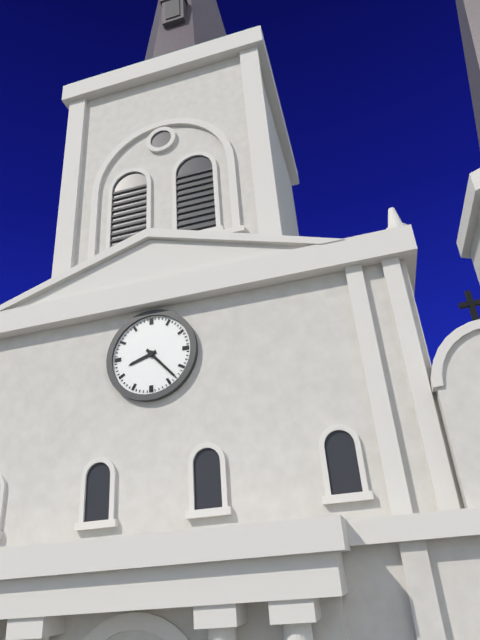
8 h 23 min
